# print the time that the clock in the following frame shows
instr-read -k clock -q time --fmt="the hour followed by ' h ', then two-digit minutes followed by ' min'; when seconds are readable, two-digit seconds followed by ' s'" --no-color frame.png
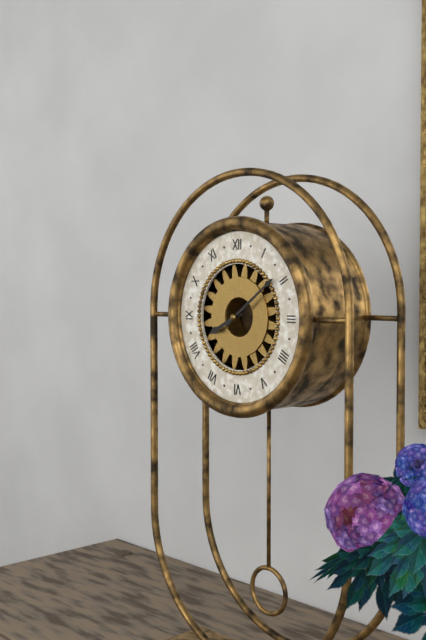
8 h 09 min
